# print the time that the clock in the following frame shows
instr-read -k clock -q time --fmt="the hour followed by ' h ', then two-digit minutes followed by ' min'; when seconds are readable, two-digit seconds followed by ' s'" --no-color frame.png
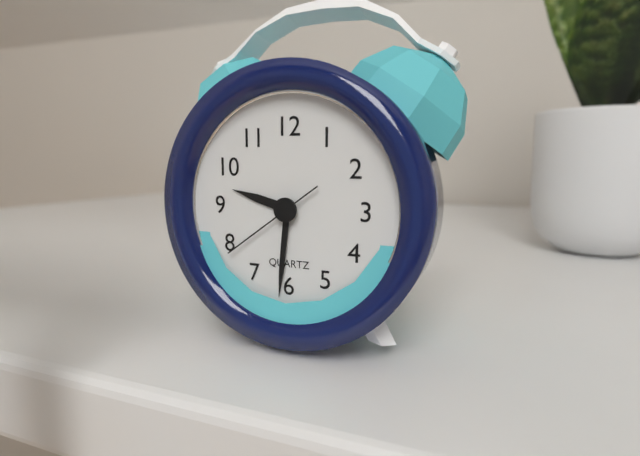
9 h 31 min 39 s
